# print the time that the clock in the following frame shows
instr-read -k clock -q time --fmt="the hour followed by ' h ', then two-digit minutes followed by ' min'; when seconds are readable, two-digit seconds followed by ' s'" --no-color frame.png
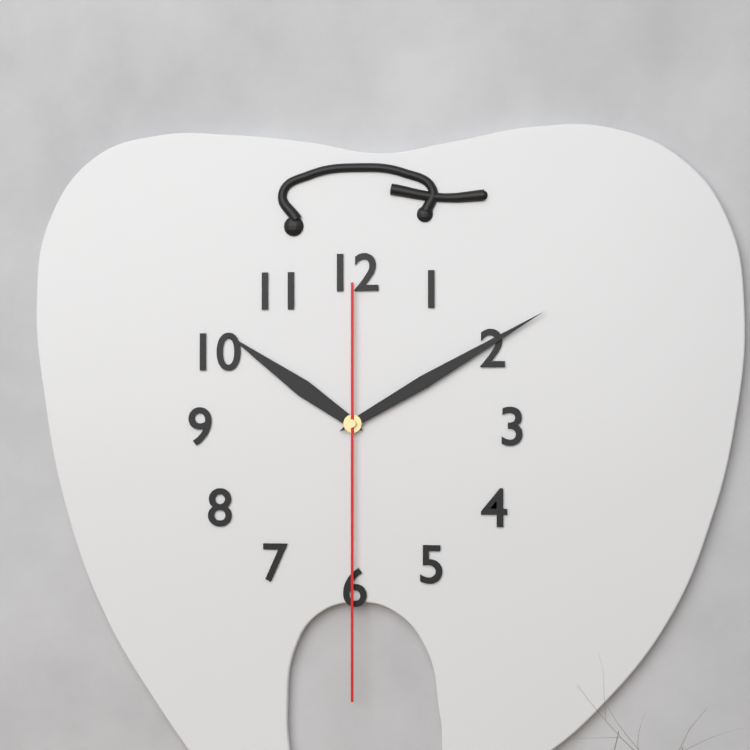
10 h 10 min 30 s
